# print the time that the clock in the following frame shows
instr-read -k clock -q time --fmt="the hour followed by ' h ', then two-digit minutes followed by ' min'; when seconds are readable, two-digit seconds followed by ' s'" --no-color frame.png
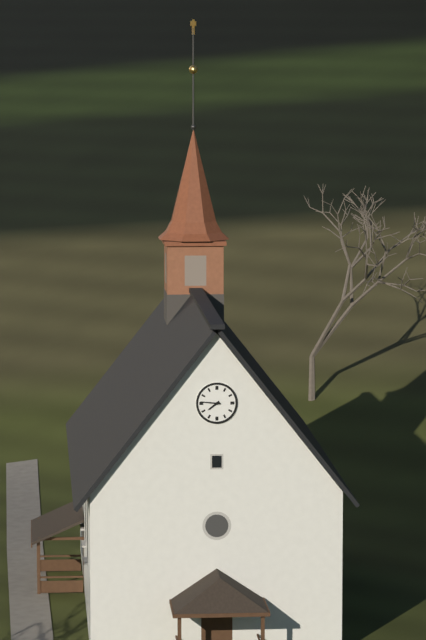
7 h 46 min
